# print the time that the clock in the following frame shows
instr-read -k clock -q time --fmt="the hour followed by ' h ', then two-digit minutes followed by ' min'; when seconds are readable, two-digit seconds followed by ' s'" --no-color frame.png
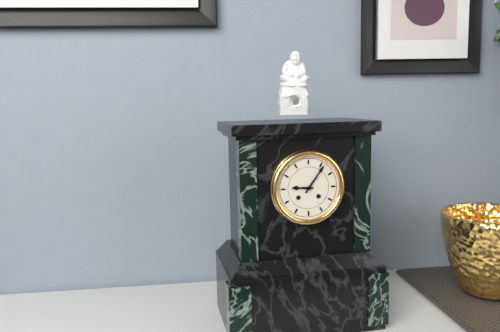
9 h 06 min
